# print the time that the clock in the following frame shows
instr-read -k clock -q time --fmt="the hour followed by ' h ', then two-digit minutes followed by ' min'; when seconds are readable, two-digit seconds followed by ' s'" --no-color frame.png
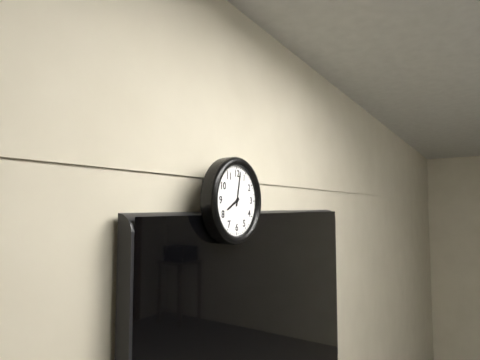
8 h 02 min
